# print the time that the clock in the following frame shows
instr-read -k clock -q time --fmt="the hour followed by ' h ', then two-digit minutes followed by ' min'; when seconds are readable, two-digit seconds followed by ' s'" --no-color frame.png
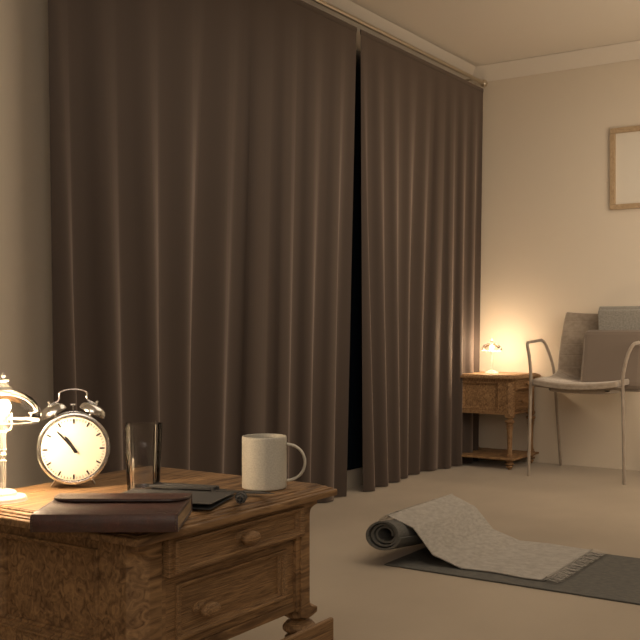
10 h 53 min
